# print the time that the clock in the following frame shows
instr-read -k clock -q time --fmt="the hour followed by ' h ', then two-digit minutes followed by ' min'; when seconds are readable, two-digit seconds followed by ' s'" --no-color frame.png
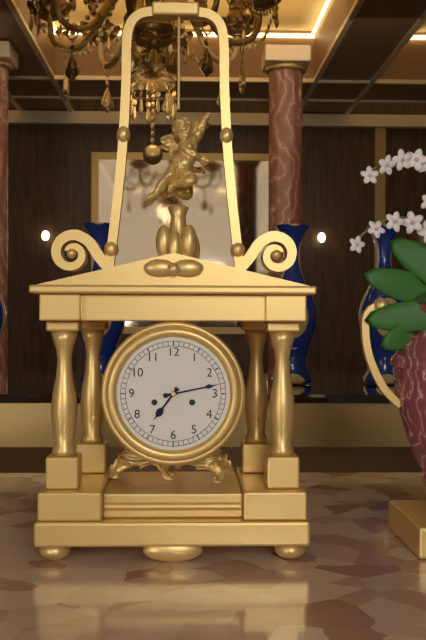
7 h 13 min
